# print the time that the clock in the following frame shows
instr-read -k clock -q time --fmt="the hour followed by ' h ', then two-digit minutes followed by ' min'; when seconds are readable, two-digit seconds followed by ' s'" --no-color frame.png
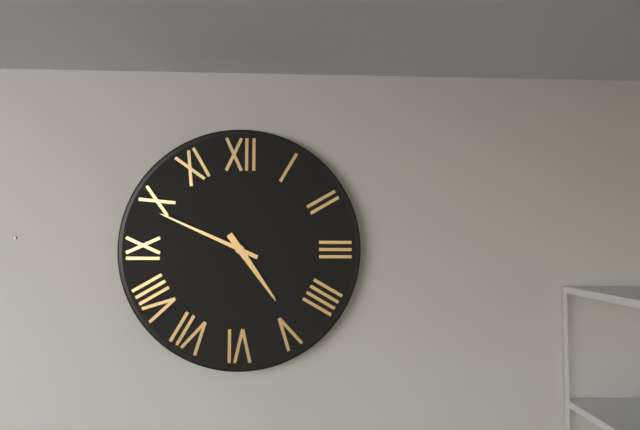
4 h 49 min
